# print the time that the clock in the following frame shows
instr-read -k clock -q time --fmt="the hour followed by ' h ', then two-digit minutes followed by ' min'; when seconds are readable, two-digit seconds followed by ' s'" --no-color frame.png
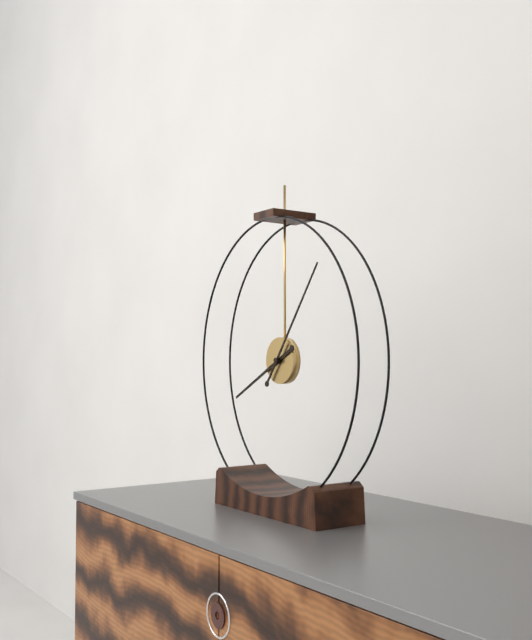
8 h 06 min
